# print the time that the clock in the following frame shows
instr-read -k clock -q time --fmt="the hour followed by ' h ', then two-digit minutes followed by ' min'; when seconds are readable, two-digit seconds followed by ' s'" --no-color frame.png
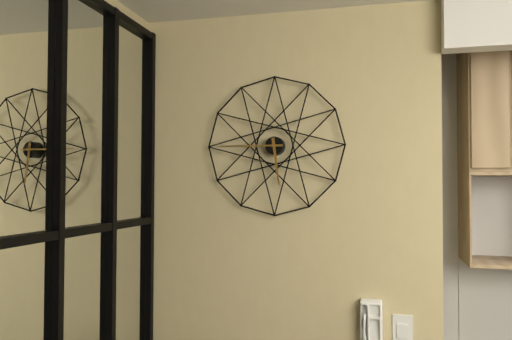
5 h 45 min
